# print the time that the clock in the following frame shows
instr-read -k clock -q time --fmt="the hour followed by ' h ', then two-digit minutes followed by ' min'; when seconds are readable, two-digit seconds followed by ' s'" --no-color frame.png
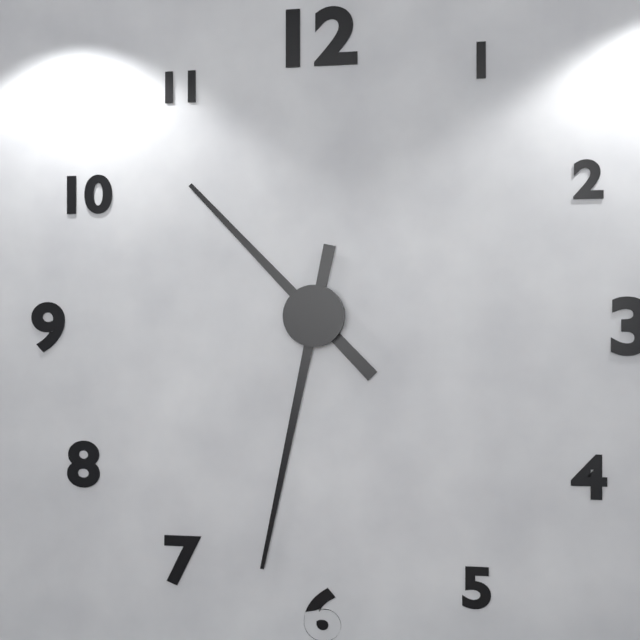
10 h 32 min
